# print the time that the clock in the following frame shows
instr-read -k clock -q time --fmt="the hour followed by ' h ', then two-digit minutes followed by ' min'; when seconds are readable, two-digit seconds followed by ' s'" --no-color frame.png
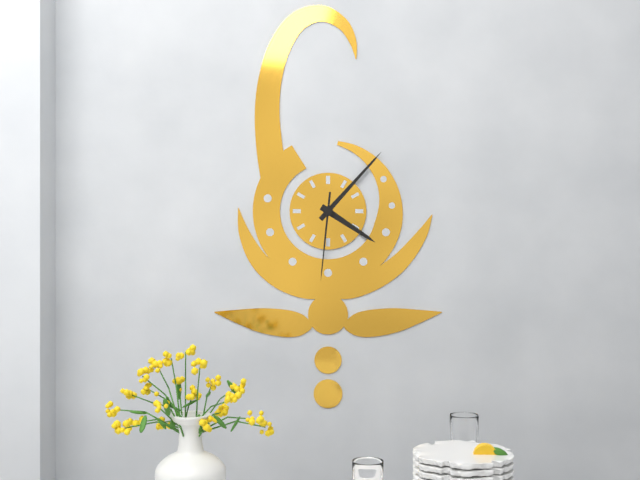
4 h 07 min 31 s
